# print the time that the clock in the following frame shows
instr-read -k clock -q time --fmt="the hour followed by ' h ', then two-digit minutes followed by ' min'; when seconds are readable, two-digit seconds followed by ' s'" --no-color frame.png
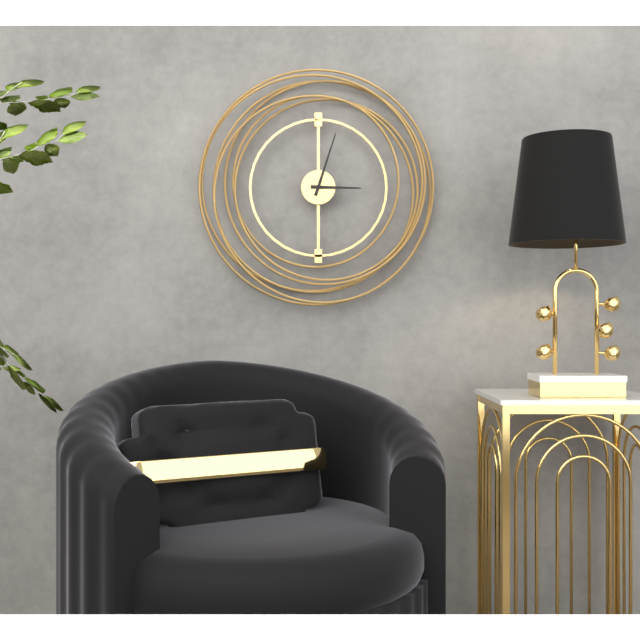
3 h 03 min
